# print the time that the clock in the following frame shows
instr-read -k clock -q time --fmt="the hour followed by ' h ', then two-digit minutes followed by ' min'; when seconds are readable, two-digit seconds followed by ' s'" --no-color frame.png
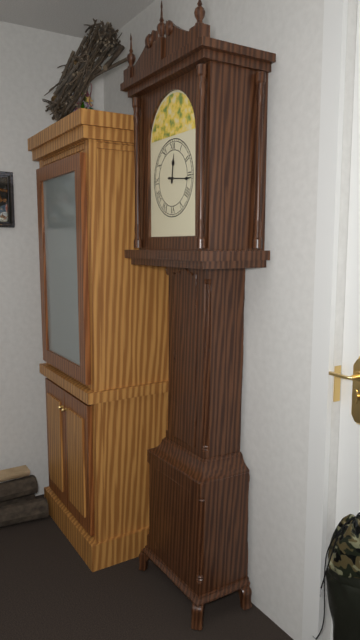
12 h 16 min
